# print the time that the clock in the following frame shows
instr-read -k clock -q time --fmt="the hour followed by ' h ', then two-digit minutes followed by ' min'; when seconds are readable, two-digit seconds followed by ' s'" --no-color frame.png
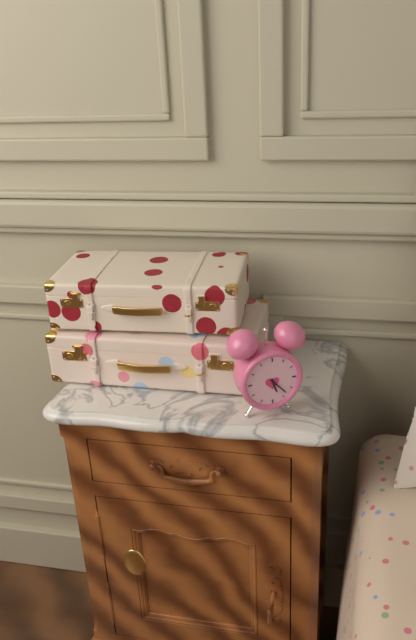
5 h 23 min
